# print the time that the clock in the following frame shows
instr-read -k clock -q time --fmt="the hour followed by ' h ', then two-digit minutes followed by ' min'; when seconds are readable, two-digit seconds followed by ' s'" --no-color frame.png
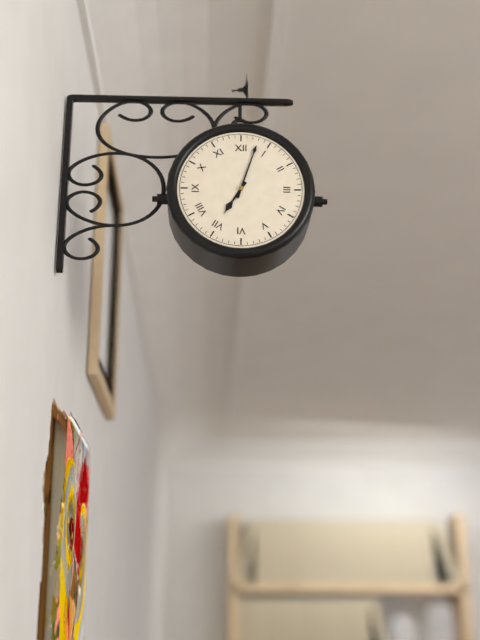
7 h 03 min
